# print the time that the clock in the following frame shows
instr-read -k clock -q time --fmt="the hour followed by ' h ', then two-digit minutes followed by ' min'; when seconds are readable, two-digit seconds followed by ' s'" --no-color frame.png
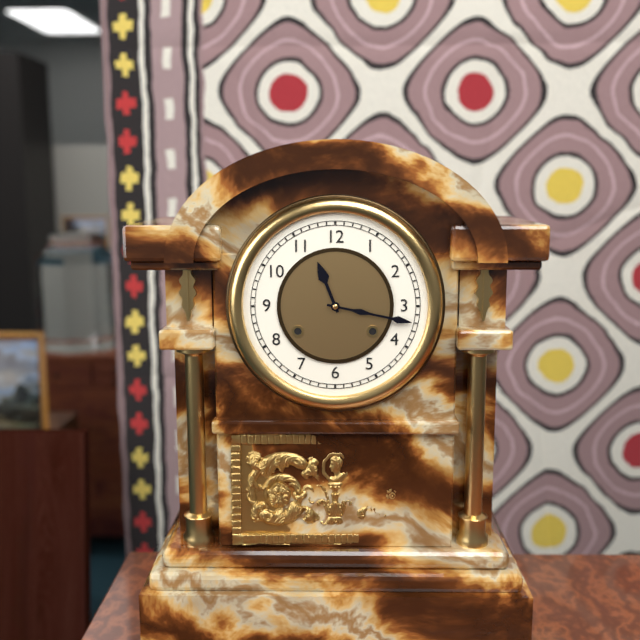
11 h 17 min
